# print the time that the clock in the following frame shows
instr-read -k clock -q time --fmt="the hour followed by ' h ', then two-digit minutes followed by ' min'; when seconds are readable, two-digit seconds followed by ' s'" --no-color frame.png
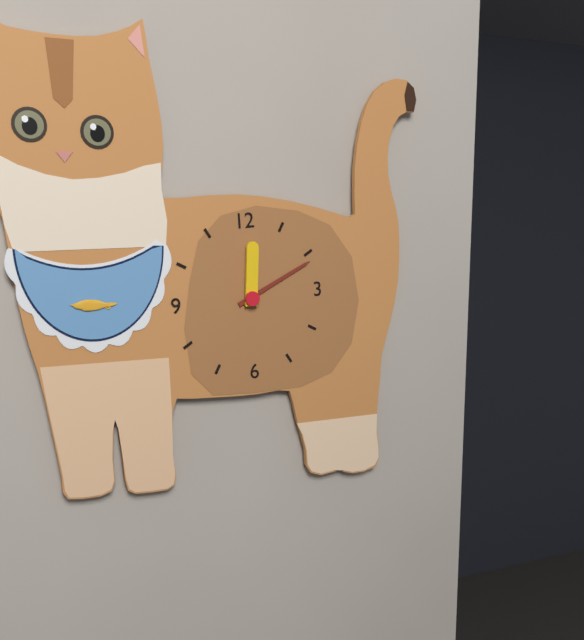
12 h 11 min
